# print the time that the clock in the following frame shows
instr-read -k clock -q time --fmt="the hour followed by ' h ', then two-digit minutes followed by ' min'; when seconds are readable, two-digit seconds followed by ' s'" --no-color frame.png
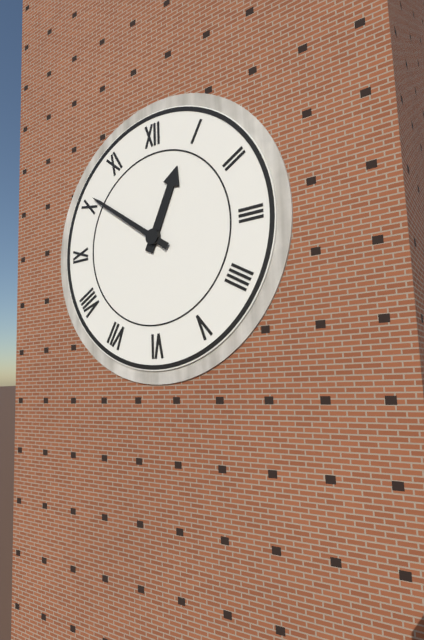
12 h 51 min
